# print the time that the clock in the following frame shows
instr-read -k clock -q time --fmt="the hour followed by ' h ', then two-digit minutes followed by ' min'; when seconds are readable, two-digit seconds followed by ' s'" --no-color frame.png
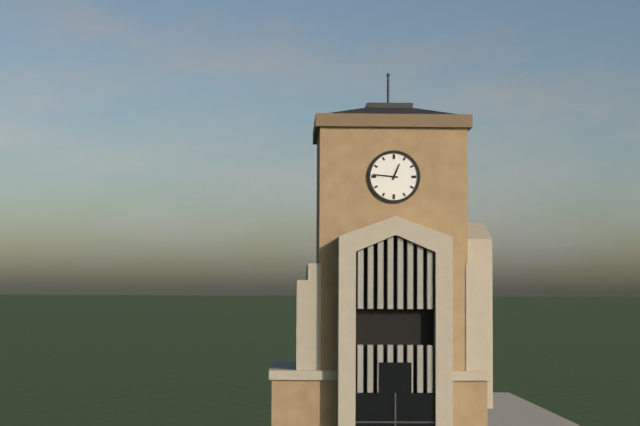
12 h 46 min
